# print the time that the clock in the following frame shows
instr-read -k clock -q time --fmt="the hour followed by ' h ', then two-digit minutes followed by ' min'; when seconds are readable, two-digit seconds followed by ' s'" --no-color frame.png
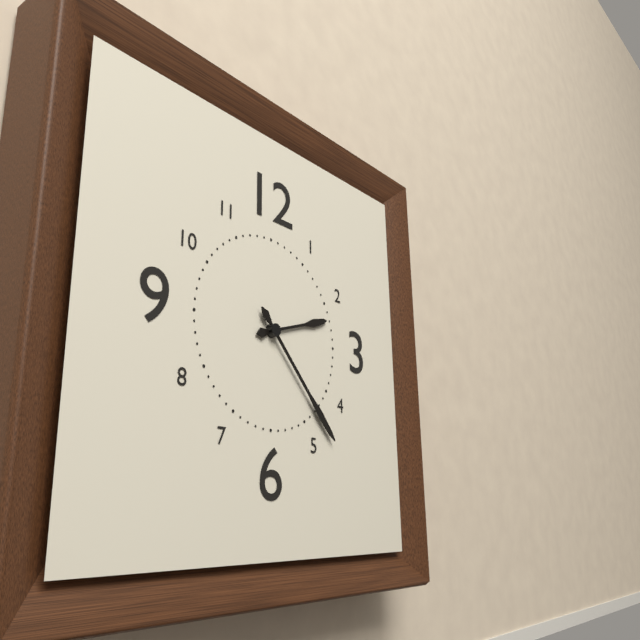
2 h 23 min
